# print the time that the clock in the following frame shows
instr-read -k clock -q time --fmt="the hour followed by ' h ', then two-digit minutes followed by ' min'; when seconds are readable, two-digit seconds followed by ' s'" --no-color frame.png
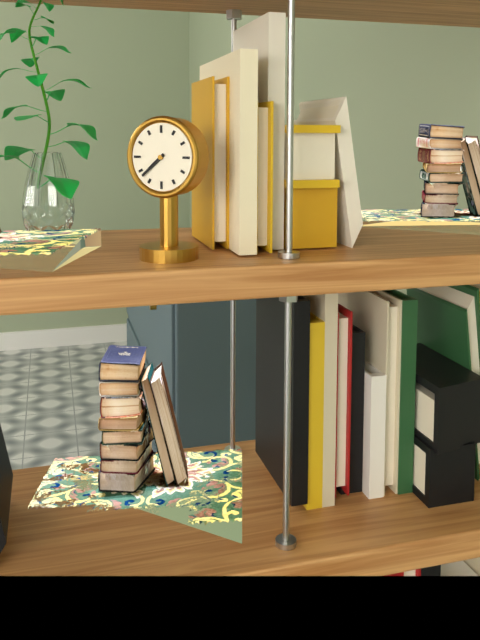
7 h 38 min
